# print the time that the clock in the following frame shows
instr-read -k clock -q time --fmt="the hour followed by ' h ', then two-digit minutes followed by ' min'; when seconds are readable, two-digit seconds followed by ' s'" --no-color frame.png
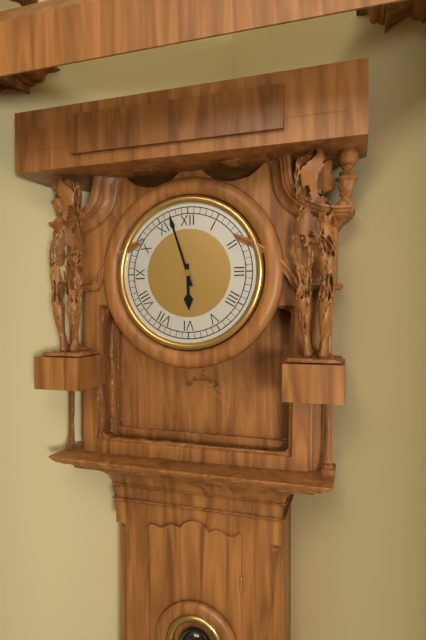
5 h 57 min
